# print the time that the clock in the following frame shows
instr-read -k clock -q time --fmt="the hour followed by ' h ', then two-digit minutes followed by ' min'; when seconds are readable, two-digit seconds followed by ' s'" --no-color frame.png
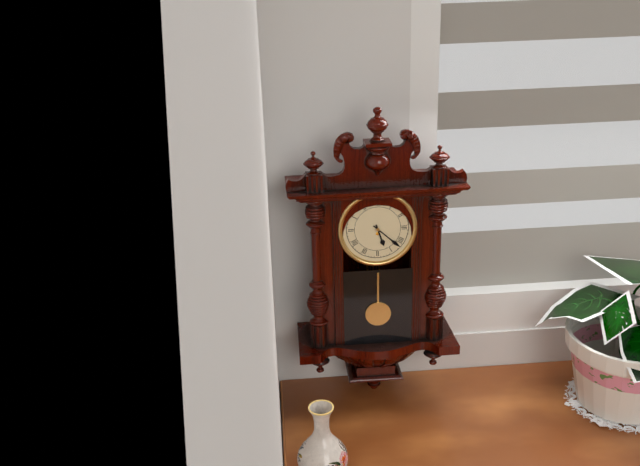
5 h 22 min
